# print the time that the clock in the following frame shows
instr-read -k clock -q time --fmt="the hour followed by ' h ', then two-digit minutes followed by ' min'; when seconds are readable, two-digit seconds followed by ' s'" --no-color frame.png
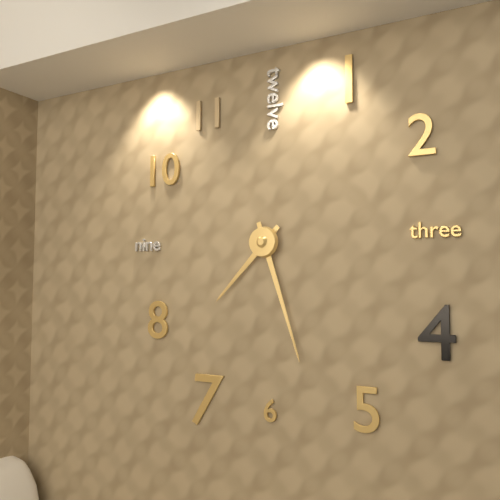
7 h 27 min
